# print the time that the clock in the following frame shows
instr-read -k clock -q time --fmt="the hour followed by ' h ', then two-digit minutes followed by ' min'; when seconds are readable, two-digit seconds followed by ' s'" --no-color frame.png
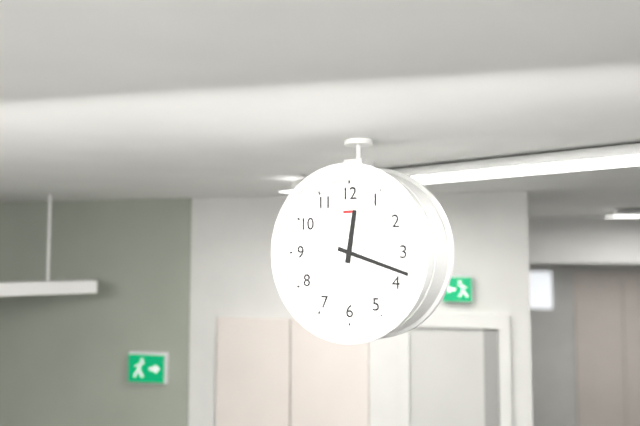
12 h 18 min
